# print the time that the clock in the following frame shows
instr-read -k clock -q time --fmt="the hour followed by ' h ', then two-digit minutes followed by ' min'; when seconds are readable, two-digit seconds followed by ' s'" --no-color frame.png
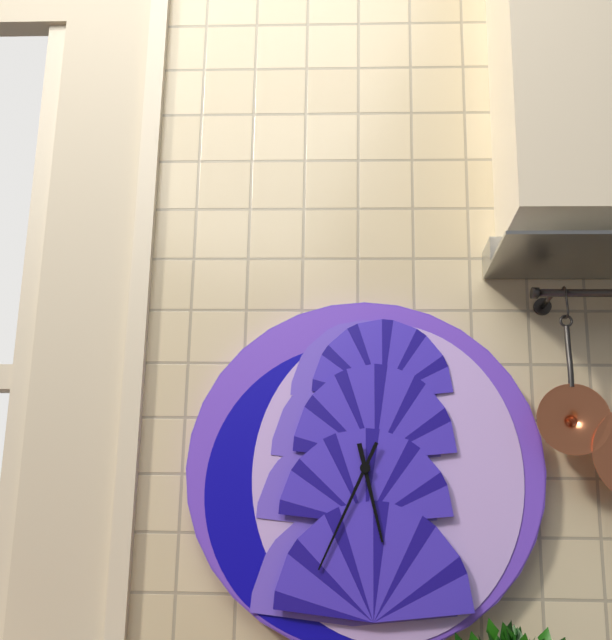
5 h 34 min
